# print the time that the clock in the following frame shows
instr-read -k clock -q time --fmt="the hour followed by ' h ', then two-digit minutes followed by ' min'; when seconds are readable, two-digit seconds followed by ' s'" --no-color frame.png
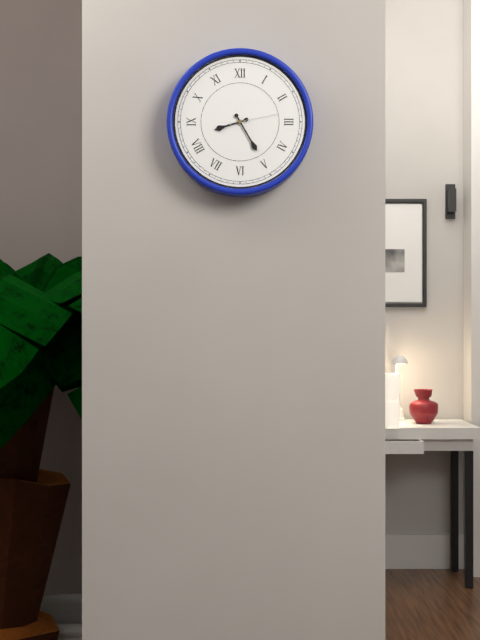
8 h 25 min
